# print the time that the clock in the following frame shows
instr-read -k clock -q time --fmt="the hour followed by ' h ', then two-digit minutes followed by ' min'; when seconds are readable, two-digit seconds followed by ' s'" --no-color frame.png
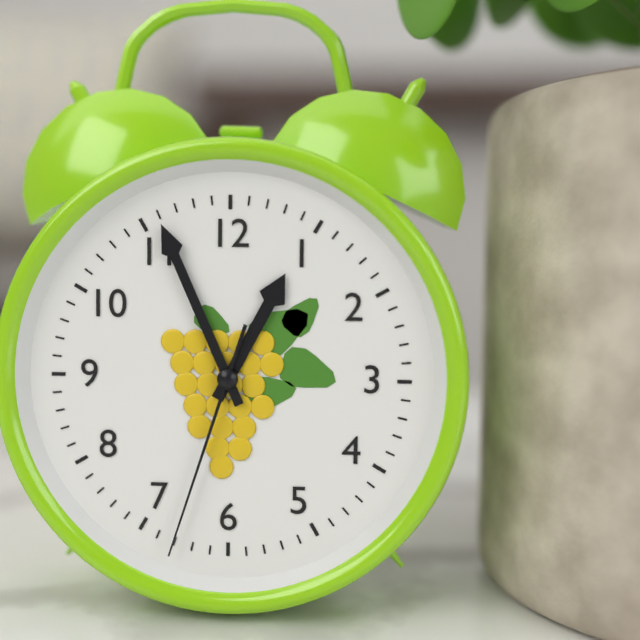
12 h 56 min 33 s
